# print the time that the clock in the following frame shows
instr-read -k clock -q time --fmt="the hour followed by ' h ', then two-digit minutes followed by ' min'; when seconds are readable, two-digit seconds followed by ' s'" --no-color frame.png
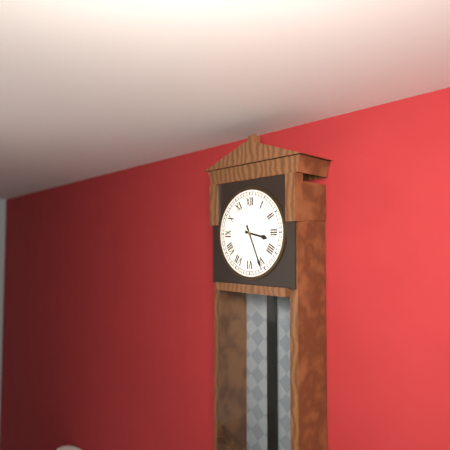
3 h 26 min
